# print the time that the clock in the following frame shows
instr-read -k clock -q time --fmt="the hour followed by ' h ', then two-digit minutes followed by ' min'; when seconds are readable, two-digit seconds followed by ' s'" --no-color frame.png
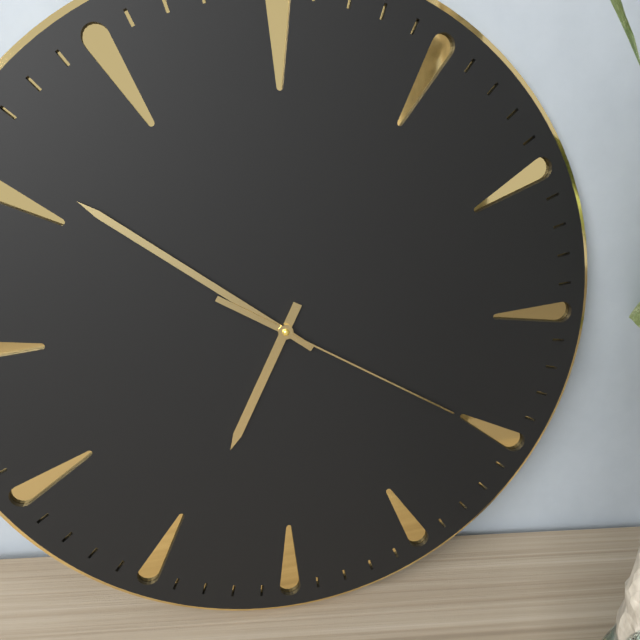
6 h 51 min 20 s
